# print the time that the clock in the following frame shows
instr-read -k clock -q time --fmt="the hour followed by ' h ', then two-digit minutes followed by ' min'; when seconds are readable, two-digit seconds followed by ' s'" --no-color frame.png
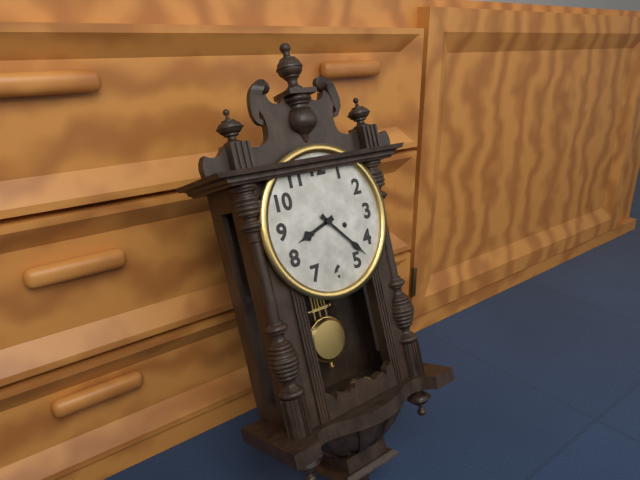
8 h 23 min
